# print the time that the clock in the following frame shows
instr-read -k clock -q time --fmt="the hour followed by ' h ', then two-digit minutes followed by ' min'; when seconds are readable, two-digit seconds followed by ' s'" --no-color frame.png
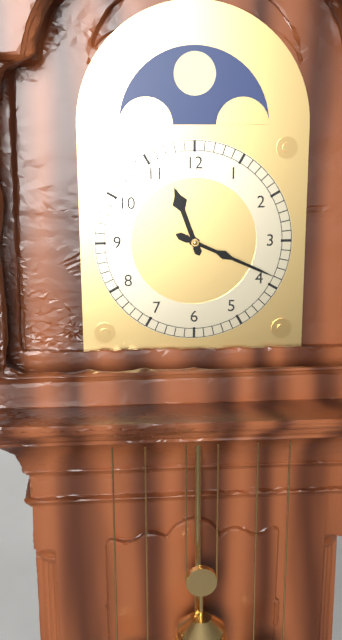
11 h 19 min
